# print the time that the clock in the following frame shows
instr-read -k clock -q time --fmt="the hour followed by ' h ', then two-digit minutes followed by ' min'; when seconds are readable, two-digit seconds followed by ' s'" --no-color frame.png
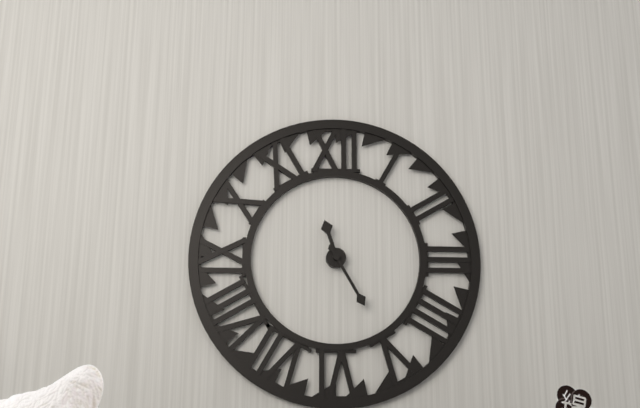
11 h 25 min
